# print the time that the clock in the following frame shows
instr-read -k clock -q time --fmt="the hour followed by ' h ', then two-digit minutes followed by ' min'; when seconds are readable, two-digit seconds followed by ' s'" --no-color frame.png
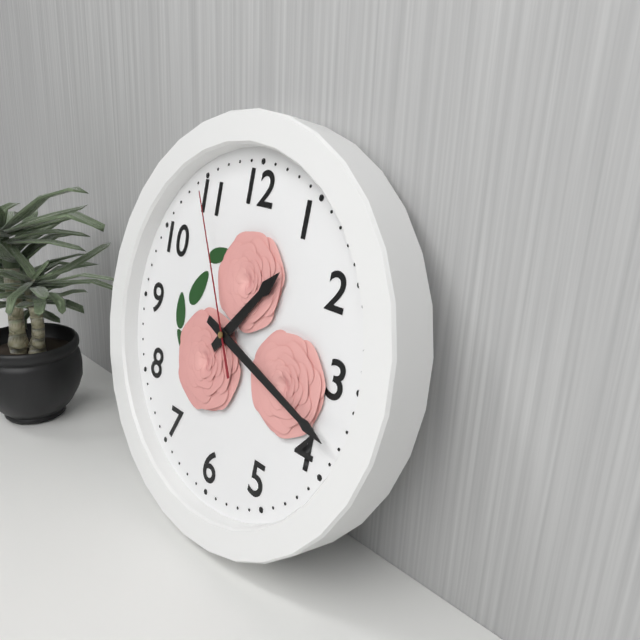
1 h 18 min 55 s
